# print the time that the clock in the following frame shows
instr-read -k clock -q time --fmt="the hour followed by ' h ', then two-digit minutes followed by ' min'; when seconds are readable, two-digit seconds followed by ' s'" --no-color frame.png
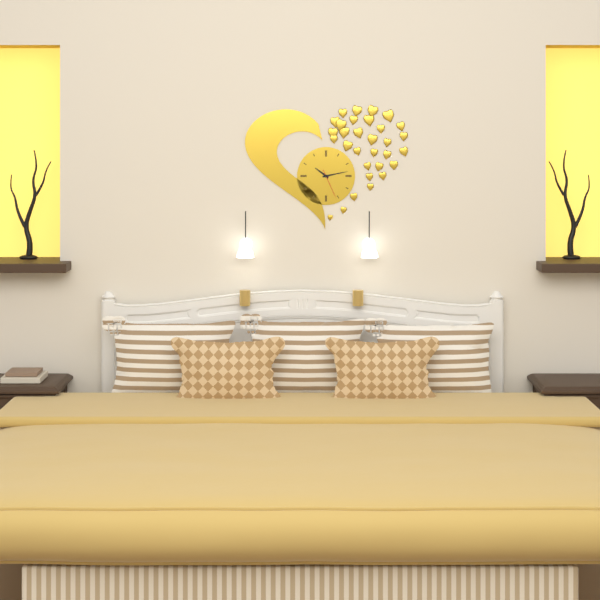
10 h 13 min
